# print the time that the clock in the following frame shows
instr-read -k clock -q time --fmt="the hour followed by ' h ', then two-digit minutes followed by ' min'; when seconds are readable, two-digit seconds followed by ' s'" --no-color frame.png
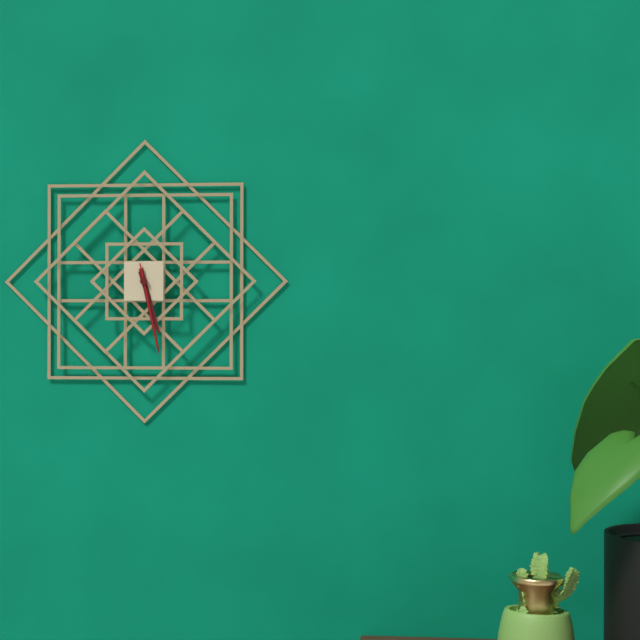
5 h 28 min 28 s
